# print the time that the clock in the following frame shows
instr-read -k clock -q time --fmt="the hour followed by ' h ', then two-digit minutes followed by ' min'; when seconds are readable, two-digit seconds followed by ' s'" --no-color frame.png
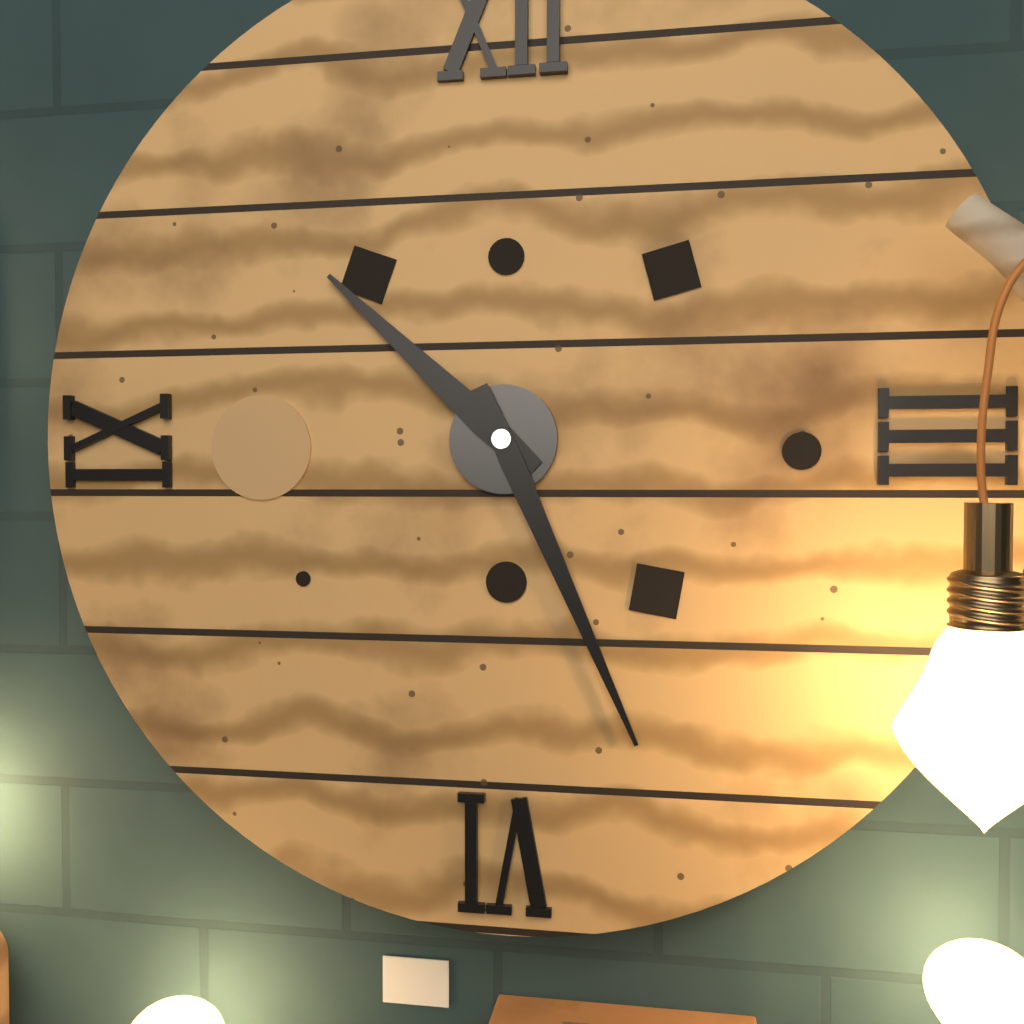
10 h 26 min
